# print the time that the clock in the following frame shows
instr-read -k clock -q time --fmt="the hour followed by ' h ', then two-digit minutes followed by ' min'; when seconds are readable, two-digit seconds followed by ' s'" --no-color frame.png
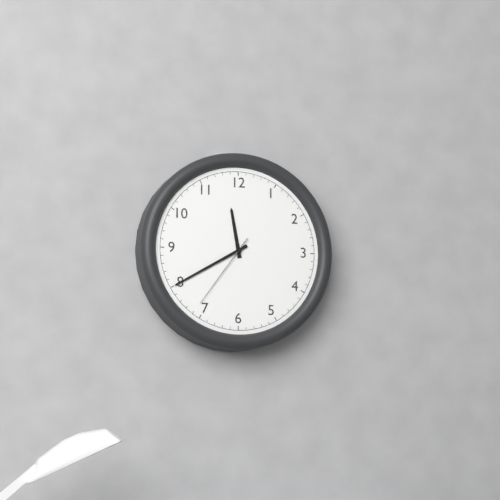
11 h 40 min 36 s
